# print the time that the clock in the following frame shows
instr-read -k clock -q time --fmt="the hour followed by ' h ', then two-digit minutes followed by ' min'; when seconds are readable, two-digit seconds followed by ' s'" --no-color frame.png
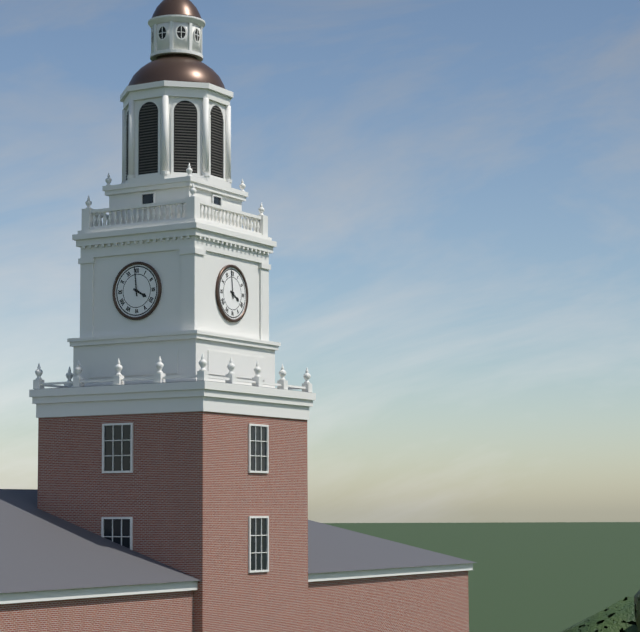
3 h 59 min
